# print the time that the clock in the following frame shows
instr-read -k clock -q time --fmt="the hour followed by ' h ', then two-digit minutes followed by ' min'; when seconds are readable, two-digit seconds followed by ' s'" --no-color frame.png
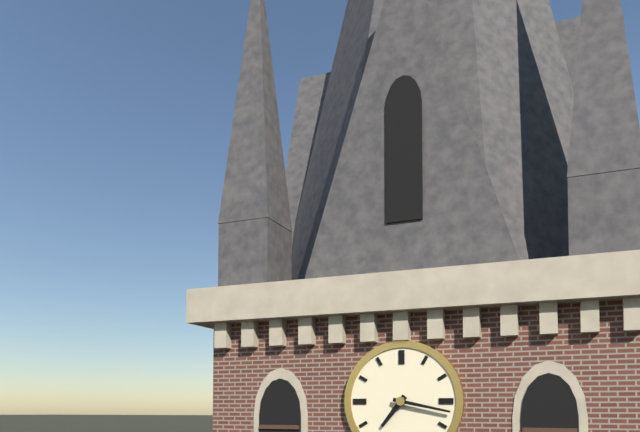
7 h 17 min
